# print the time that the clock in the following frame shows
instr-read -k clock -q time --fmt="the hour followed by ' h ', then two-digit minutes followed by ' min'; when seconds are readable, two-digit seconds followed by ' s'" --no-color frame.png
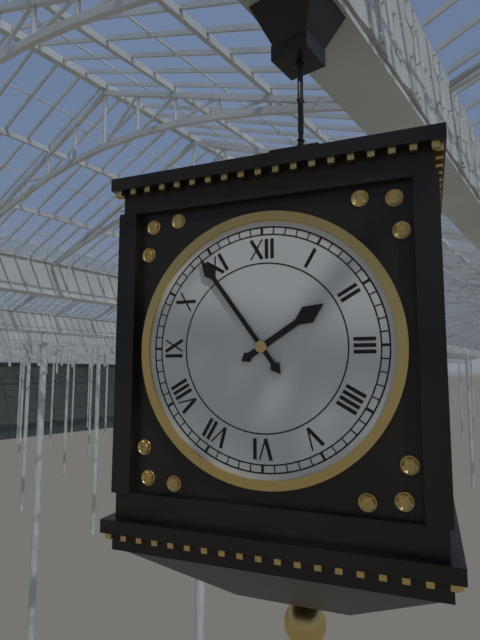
1 h 54 min
